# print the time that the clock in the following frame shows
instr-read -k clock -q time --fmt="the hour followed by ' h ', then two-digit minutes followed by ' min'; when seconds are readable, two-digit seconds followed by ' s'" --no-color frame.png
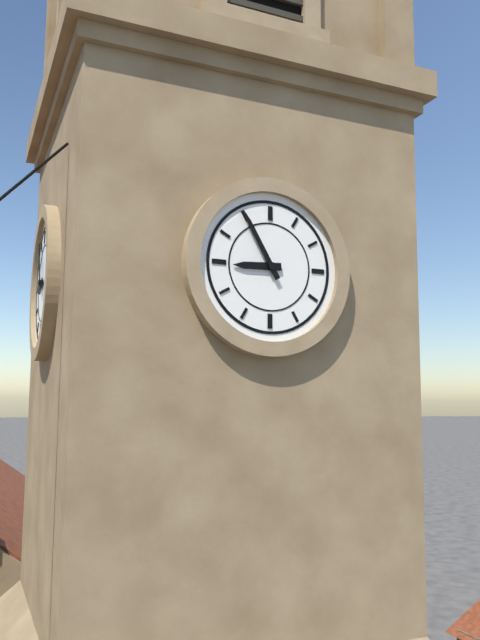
8 h 55 min
